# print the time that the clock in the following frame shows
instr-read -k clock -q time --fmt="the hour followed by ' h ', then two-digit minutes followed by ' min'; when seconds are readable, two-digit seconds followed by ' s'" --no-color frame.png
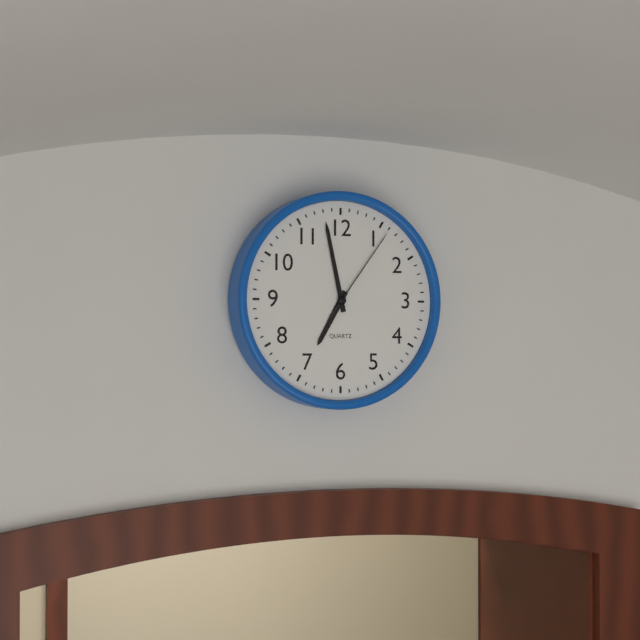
6 h 58 min 06 s
